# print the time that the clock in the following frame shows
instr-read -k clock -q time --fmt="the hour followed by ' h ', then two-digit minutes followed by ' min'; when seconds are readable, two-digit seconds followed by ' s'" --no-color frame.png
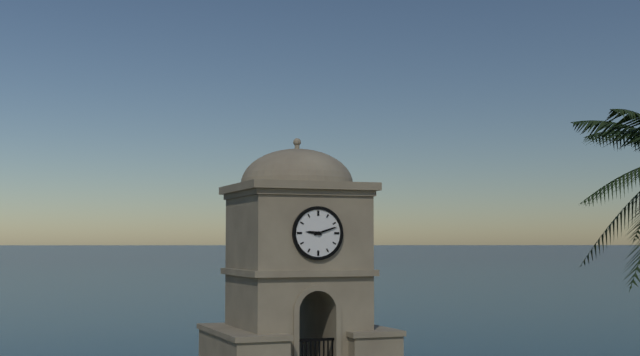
9 h 12 min
